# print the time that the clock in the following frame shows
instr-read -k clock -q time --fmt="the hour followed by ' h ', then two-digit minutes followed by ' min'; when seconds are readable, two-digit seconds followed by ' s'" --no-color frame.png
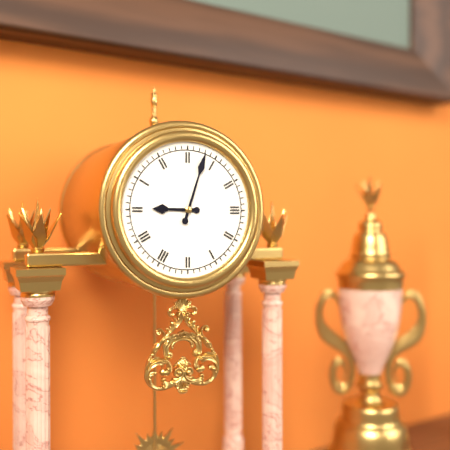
9 h 03 min
